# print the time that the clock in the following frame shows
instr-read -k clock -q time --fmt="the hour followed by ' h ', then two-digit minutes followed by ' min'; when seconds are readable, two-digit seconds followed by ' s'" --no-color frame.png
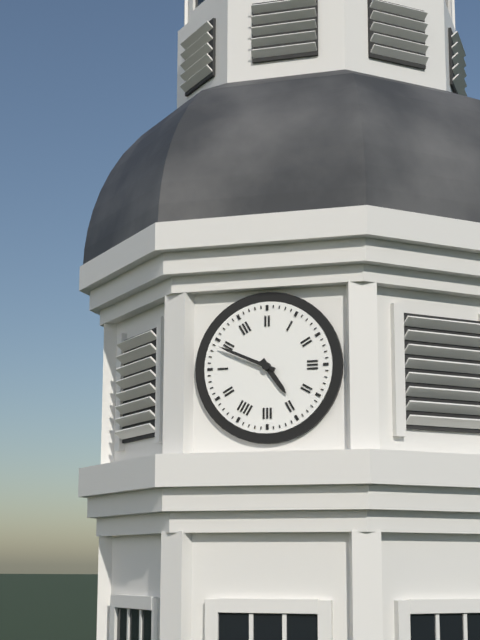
4 h 49 min
